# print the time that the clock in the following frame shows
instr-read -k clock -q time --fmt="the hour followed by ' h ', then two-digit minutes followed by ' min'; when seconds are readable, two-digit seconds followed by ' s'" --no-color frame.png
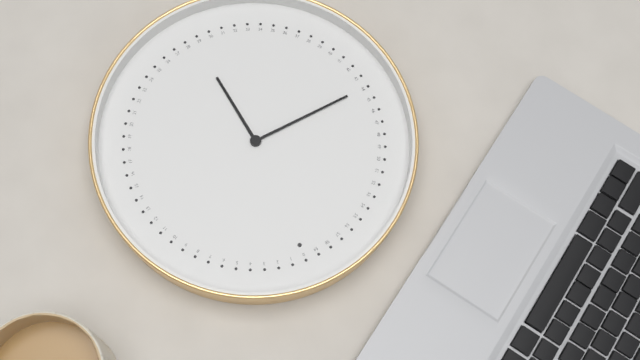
5 h 44 min
